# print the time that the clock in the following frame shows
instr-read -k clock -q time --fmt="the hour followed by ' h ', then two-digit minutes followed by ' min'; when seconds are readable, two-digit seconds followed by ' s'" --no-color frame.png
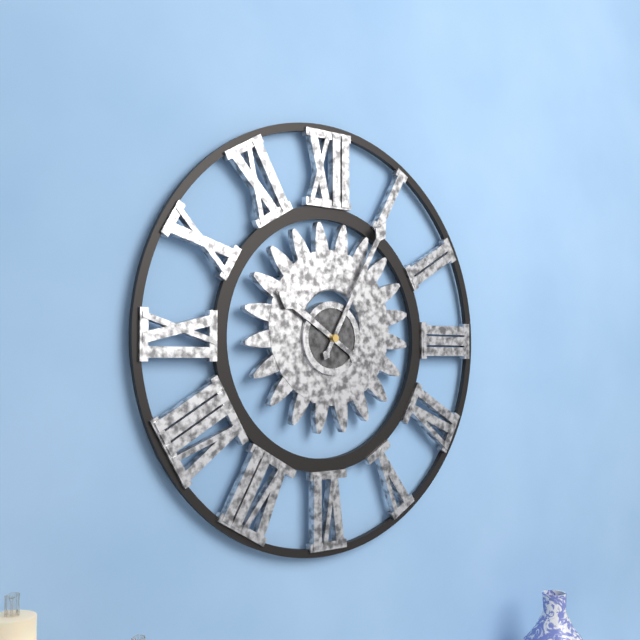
10 h 05 min
